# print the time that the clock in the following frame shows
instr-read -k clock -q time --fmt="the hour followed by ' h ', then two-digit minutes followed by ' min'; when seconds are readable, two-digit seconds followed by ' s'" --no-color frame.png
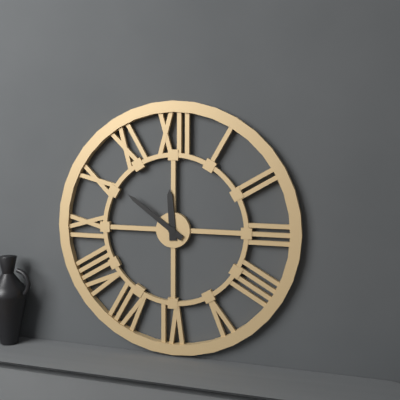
11 h 51 min
